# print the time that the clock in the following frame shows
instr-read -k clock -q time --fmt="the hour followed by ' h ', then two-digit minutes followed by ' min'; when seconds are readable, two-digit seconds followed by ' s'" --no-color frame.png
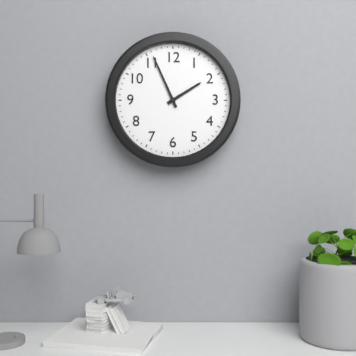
1 h 56 min
